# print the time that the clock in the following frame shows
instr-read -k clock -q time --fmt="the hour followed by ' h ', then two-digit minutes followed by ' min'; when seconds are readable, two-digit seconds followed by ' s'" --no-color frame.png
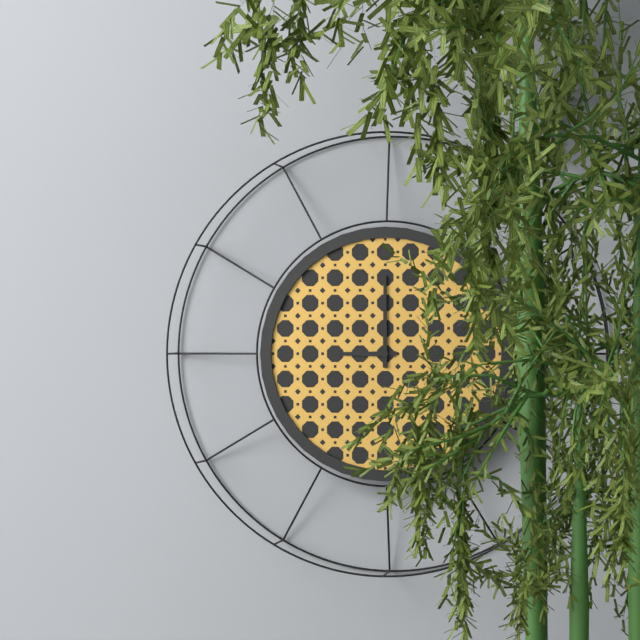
9 h 00 min
